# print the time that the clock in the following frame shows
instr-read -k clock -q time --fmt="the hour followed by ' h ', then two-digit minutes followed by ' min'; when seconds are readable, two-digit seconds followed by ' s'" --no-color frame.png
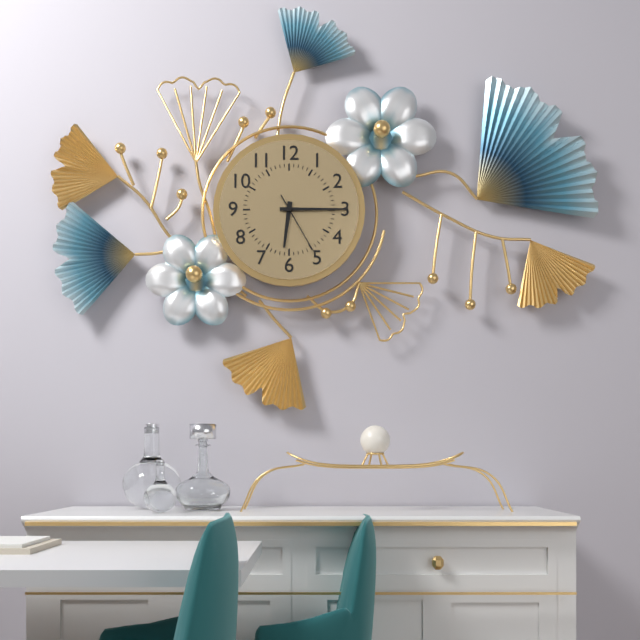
6 h 15 min 25 s
